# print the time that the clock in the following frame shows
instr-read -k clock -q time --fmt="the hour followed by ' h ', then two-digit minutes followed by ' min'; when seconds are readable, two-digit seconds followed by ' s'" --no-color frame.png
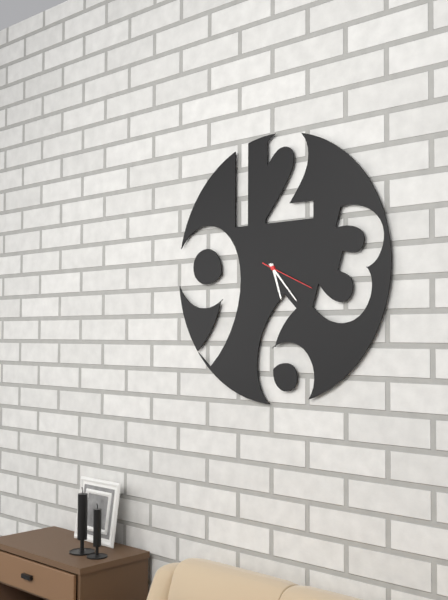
5 h 23 min 19 s
